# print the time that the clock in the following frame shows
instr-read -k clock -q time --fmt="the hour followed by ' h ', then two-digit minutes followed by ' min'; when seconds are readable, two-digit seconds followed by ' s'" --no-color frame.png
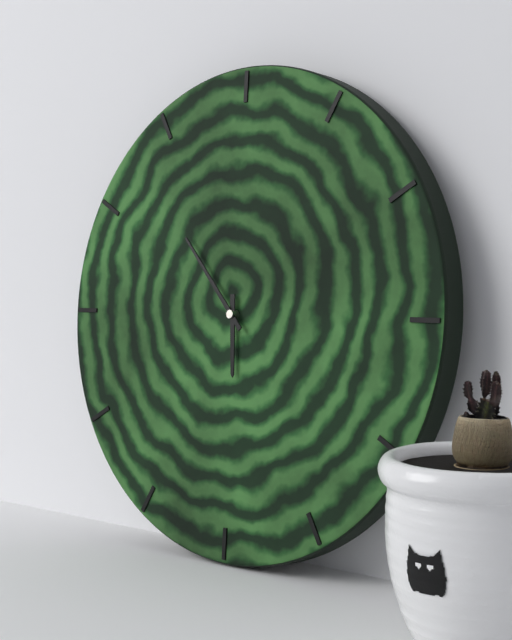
5 h 53 min
